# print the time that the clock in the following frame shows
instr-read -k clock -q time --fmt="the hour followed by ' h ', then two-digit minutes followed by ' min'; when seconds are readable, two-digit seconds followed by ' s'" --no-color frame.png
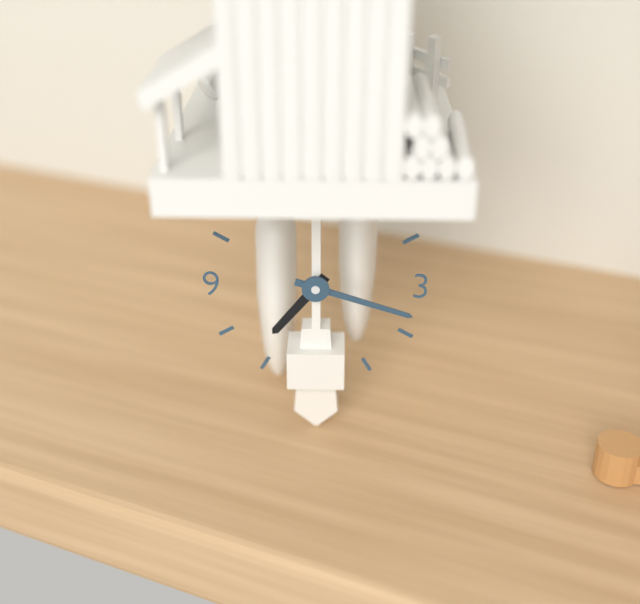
7 h 18 min
